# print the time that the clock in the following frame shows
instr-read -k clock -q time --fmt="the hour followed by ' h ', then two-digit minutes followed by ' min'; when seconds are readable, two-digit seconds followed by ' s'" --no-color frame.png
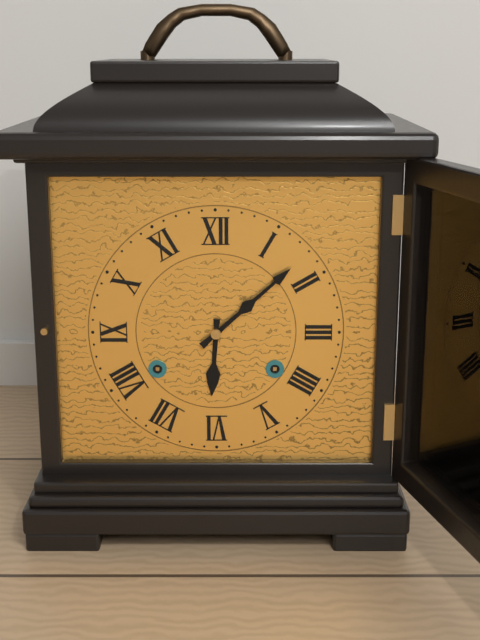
6 h 08 min
